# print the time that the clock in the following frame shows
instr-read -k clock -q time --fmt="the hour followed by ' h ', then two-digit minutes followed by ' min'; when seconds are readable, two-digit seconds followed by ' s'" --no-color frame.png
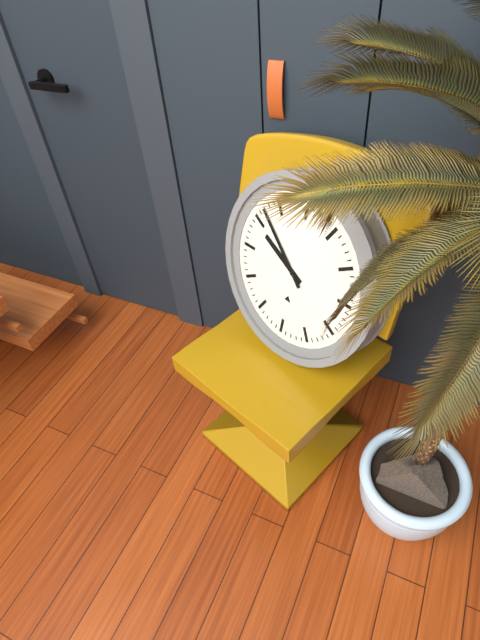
9 h 52 min
